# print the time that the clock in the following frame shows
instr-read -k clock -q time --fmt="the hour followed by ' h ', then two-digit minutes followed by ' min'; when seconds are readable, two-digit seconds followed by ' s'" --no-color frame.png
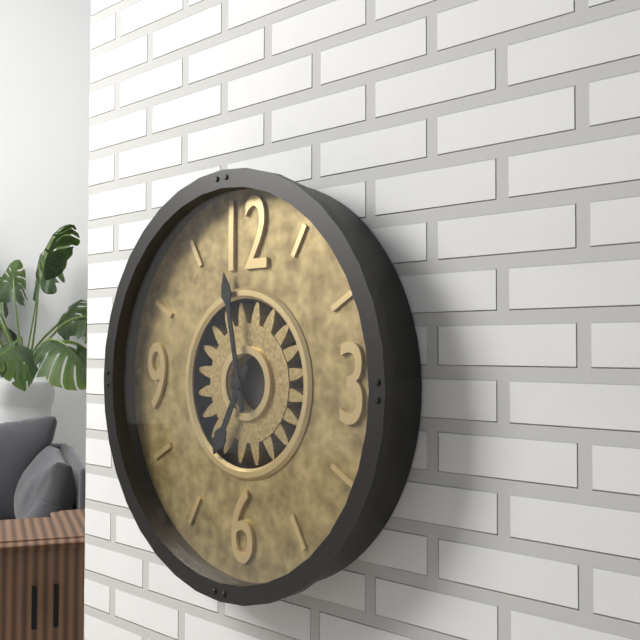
6 h 58 min
